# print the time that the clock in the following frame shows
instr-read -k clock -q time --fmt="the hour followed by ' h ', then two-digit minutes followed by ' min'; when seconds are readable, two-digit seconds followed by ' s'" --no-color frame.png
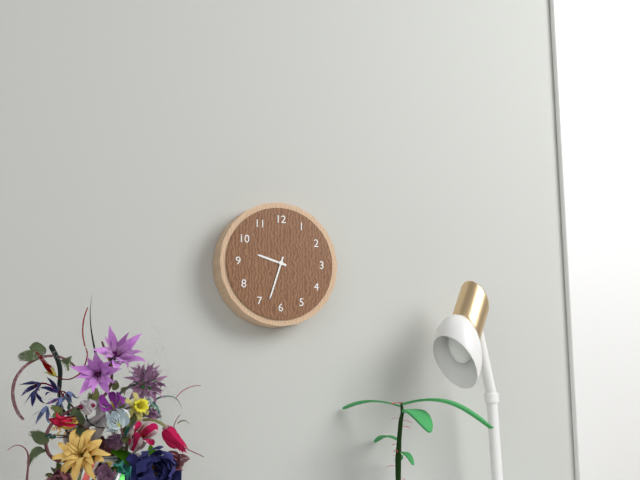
9 h 33 min
